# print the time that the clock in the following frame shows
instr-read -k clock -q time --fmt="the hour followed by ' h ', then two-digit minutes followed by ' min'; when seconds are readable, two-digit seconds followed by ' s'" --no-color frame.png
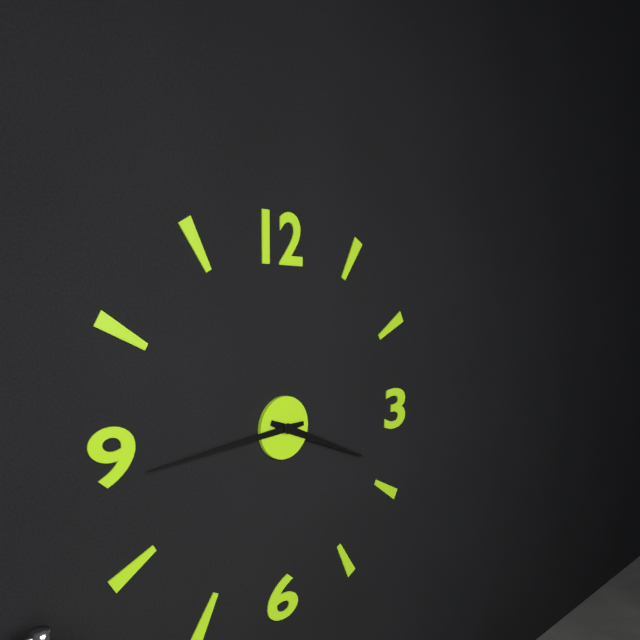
3 h 44 min
